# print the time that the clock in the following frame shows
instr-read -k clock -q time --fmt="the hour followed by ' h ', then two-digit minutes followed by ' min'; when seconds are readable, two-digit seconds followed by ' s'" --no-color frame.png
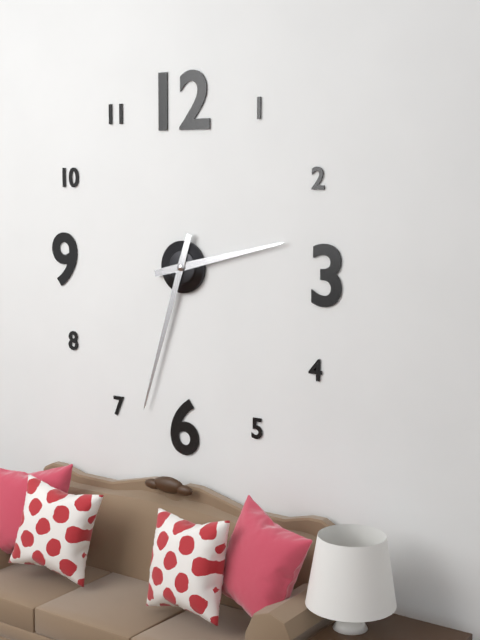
2 h 33 min
